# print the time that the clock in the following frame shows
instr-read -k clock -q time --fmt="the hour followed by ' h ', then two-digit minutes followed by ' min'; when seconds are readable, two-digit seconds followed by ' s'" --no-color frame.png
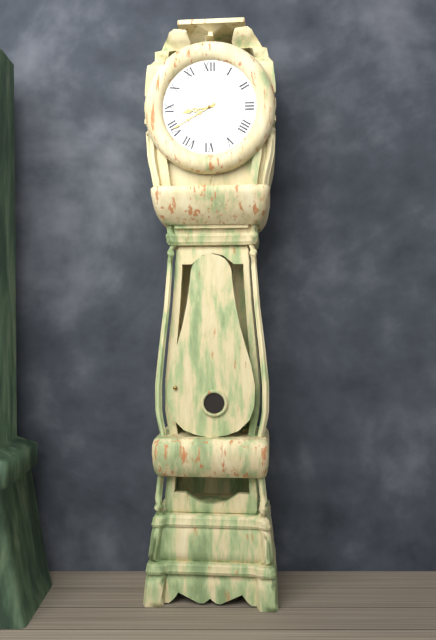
8 h 40 min
